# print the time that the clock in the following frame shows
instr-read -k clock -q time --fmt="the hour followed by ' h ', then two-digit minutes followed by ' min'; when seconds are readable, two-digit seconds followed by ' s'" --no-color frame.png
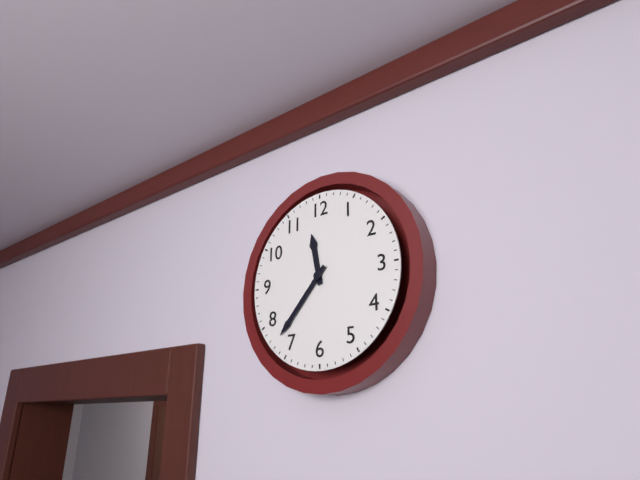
11 h 37 min
